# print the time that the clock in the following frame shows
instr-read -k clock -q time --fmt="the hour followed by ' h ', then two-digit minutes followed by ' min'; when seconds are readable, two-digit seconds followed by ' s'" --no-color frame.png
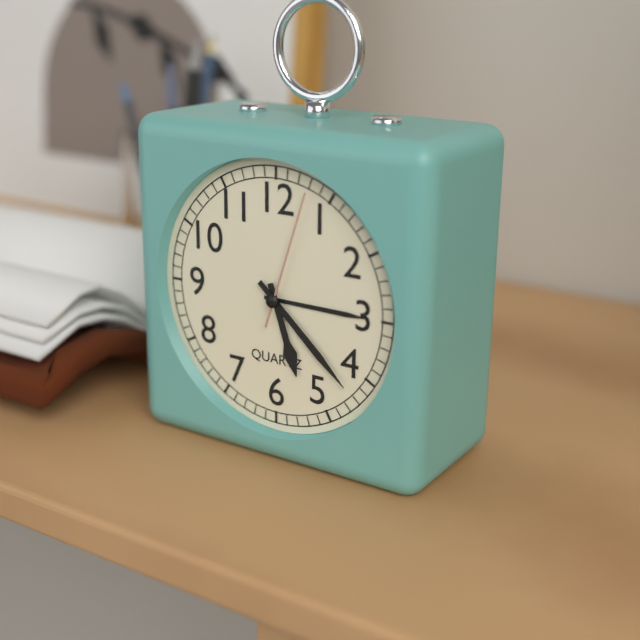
5 h 22 min 03 s
